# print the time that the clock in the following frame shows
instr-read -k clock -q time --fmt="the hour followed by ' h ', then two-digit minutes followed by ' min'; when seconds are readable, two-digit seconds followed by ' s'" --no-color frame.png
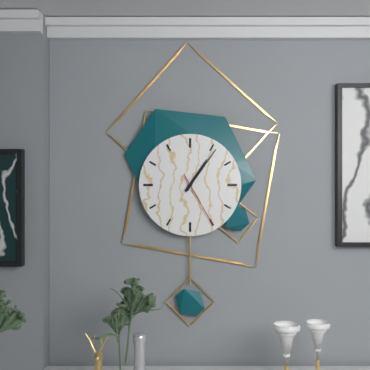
1 h 06 min 25 s
